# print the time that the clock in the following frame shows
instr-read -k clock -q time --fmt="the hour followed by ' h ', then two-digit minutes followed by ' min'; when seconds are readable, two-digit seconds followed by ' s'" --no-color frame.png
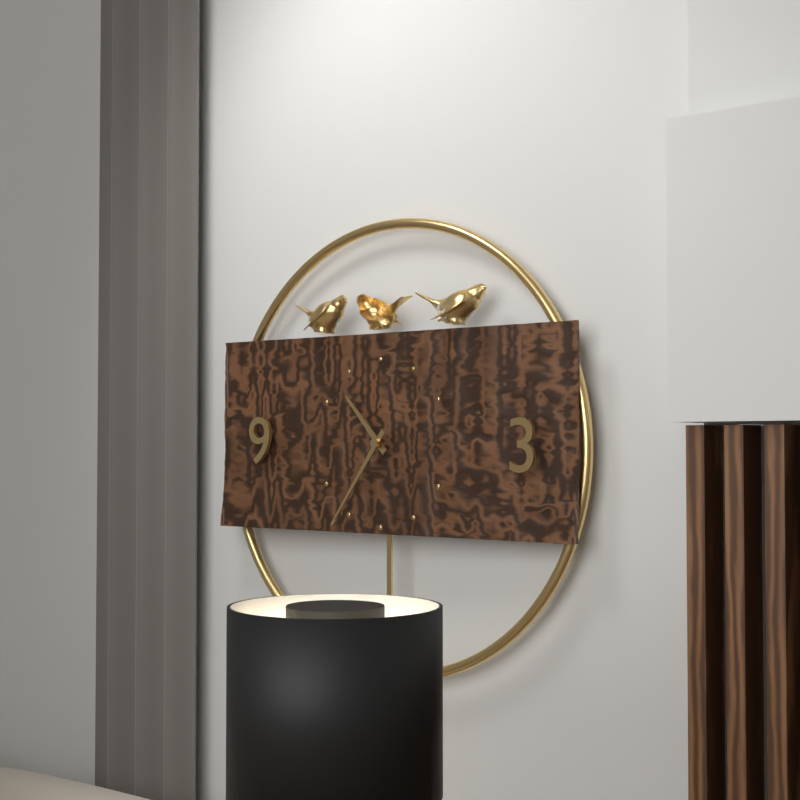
10 h 36 min
